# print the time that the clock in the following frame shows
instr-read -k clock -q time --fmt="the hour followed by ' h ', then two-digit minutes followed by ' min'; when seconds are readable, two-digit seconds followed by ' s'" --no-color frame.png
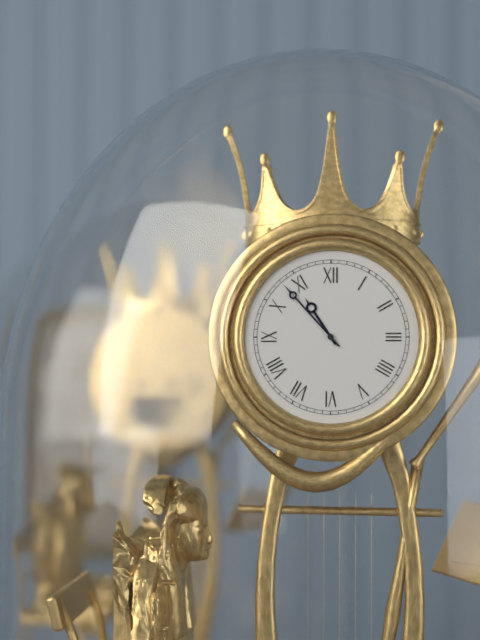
10 h 53 min
